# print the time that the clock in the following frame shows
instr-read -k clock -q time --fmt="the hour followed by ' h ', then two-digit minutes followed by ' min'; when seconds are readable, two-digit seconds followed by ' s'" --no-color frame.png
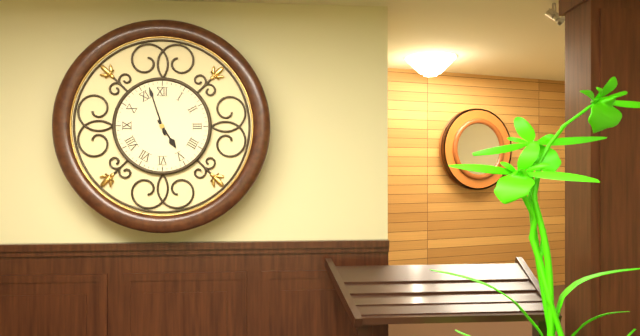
4 h 57 min
